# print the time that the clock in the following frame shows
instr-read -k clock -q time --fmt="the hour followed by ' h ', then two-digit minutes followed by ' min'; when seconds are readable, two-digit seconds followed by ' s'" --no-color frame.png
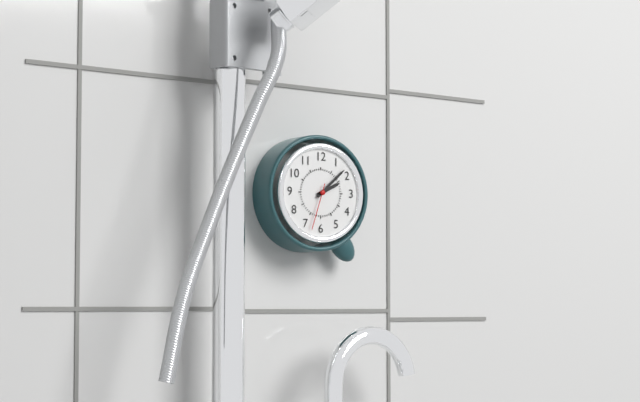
2 h 08 min
